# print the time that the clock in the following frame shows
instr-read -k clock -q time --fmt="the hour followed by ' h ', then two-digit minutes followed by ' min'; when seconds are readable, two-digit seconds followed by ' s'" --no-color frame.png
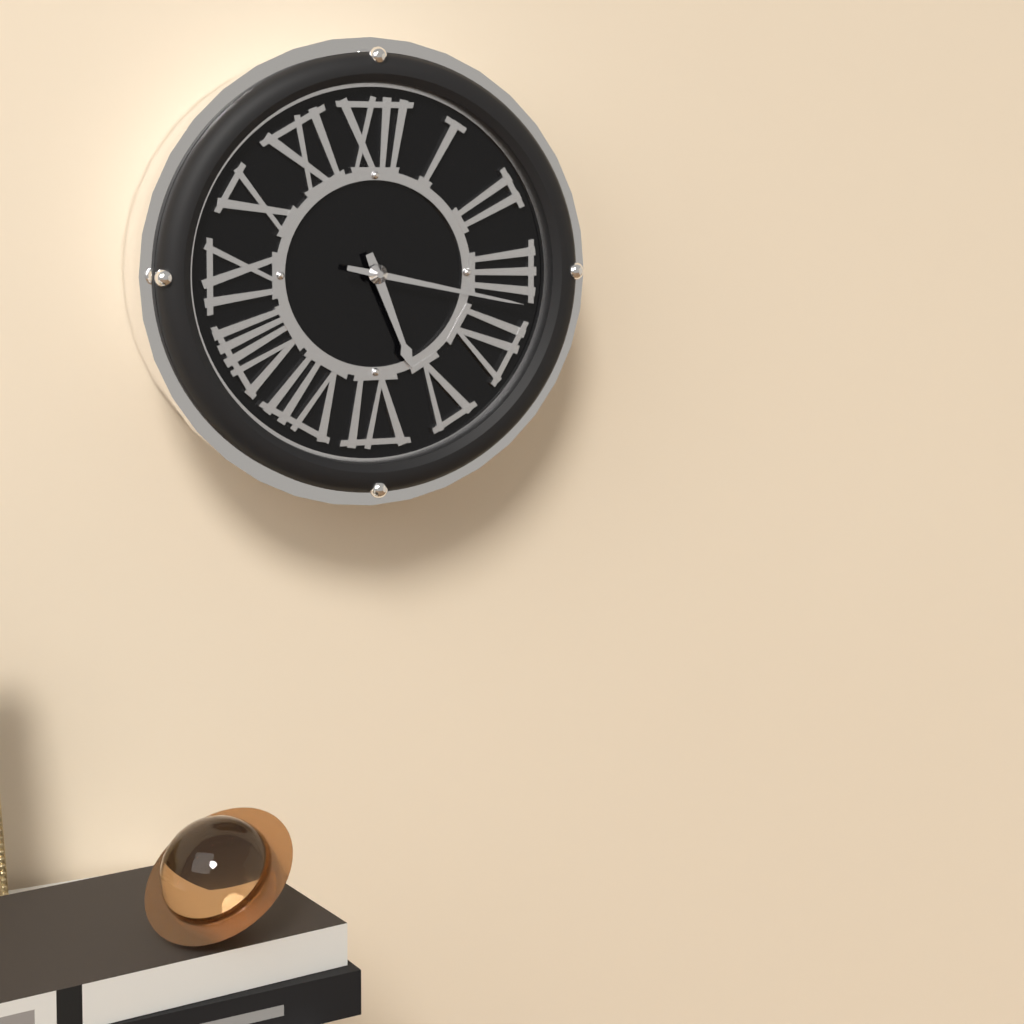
5 h 17 min
